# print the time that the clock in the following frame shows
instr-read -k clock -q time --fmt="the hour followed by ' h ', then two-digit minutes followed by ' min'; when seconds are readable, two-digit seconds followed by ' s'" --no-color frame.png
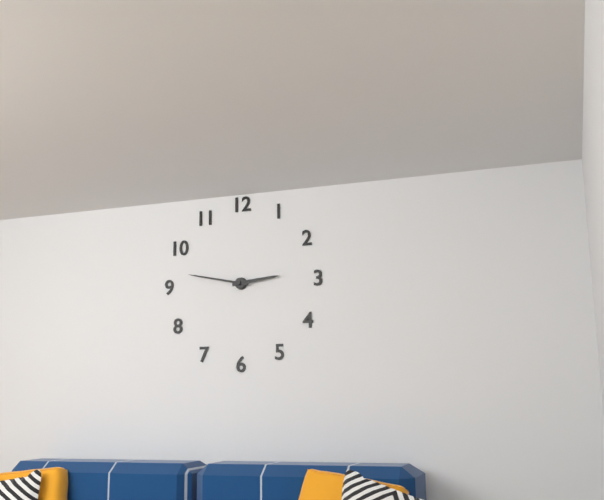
2 h 47 min
